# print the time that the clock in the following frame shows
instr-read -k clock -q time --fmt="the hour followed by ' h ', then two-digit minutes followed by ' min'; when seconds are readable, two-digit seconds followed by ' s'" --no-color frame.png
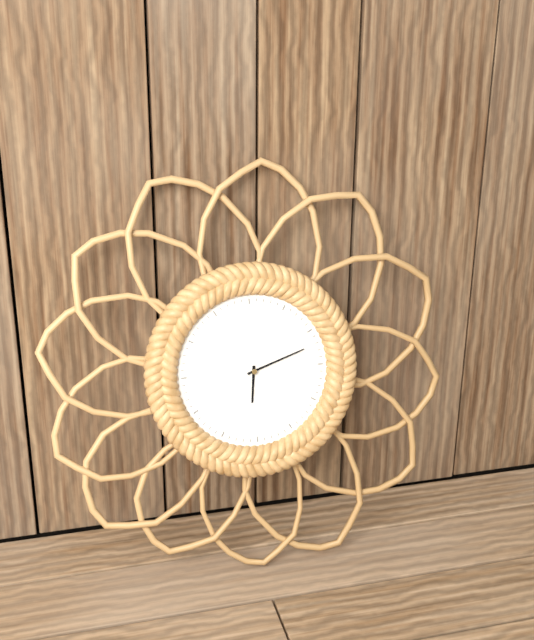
6 h 12 min
